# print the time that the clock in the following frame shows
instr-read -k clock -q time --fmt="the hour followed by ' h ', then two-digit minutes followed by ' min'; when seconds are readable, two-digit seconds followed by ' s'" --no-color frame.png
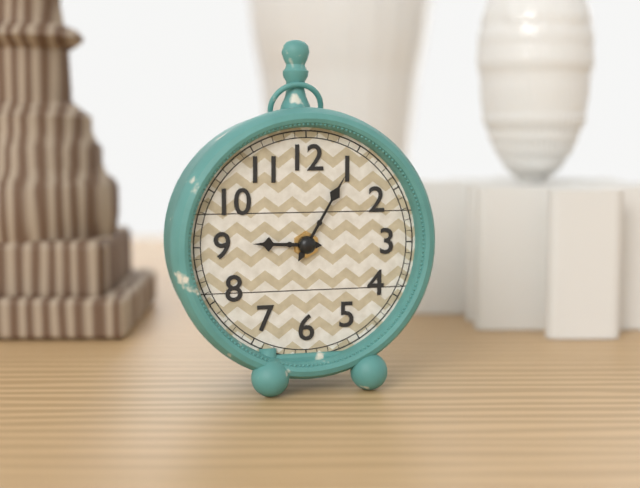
9 h 05 min
